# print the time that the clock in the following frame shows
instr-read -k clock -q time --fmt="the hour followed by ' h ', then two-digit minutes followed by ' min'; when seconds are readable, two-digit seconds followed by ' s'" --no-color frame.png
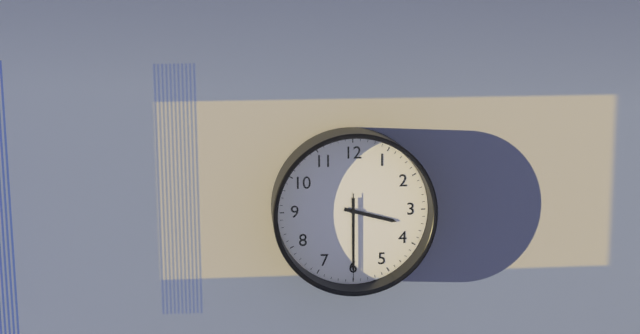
3 h 30 min 30 s
